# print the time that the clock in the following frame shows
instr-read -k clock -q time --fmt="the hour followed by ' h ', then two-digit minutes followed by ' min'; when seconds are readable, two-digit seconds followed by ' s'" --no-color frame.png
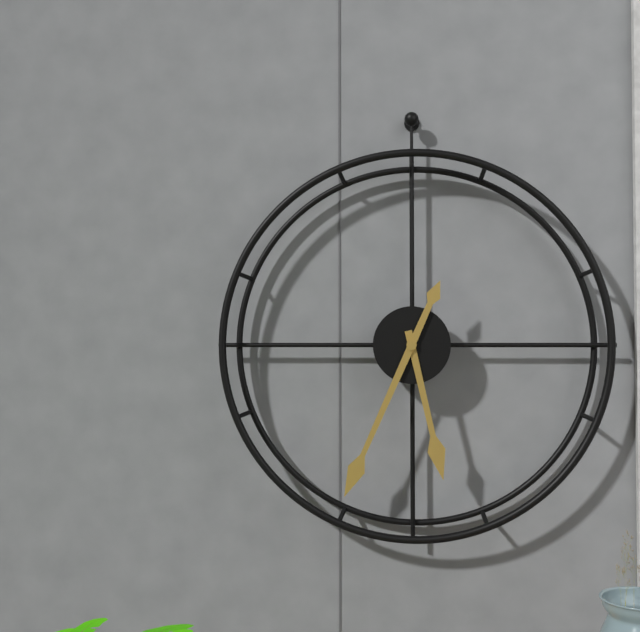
5 h 34 min
